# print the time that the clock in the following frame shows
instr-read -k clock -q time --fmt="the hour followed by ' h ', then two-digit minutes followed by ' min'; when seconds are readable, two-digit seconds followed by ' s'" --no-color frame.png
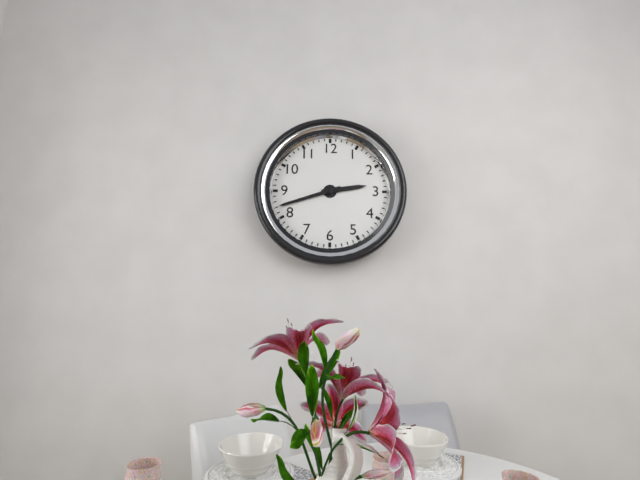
2 h 42 min
